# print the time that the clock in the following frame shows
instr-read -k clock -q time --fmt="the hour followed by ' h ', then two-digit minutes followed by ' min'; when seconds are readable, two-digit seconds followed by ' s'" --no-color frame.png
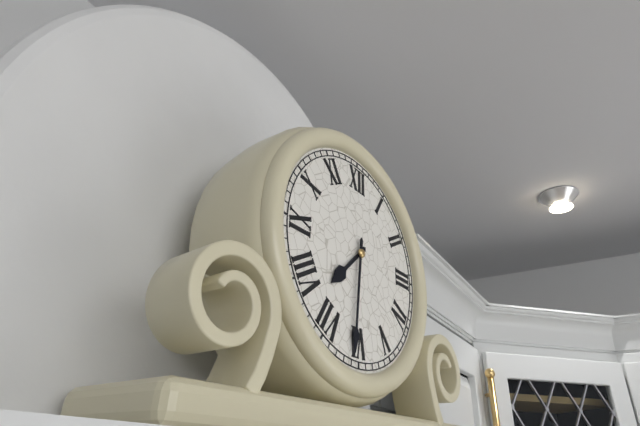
7 h 31 min
